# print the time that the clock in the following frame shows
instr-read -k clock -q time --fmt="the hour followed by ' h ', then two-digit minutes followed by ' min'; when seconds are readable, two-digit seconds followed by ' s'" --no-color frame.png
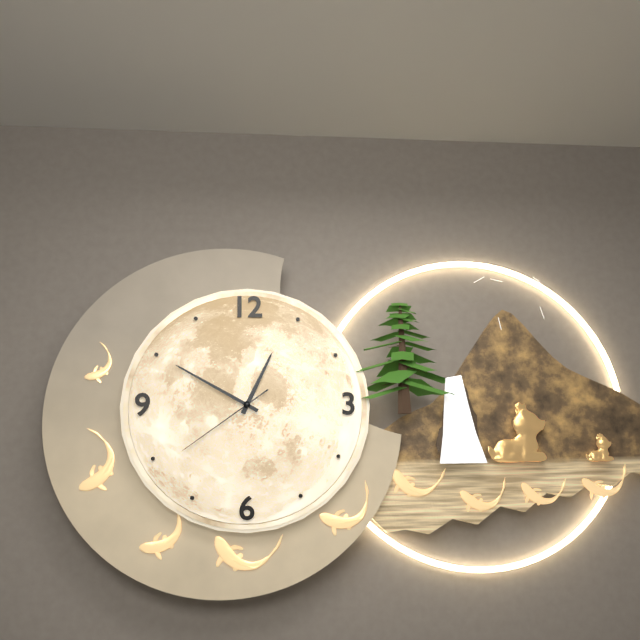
12 h 50 min 39 s
